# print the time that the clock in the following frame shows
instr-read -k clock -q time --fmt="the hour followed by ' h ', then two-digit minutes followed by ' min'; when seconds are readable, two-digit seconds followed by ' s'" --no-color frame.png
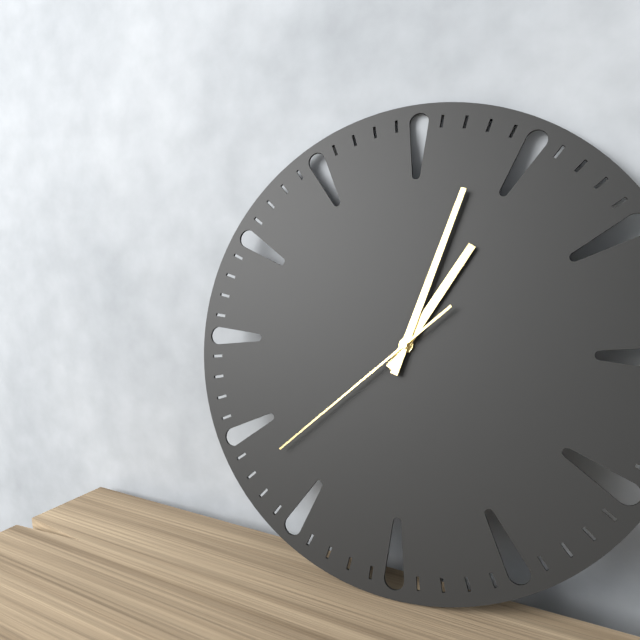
1 h 03 min 38 s
